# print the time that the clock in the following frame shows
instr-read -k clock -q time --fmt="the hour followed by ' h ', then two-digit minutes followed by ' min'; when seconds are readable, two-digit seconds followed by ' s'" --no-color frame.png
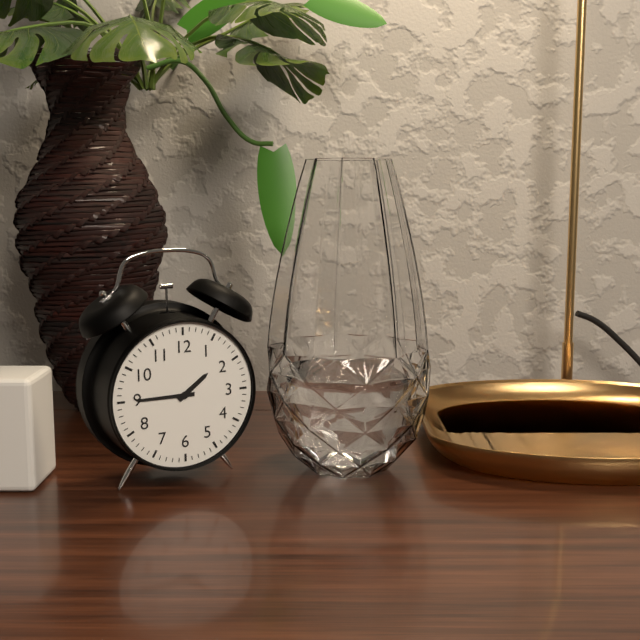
1 h 45 min
